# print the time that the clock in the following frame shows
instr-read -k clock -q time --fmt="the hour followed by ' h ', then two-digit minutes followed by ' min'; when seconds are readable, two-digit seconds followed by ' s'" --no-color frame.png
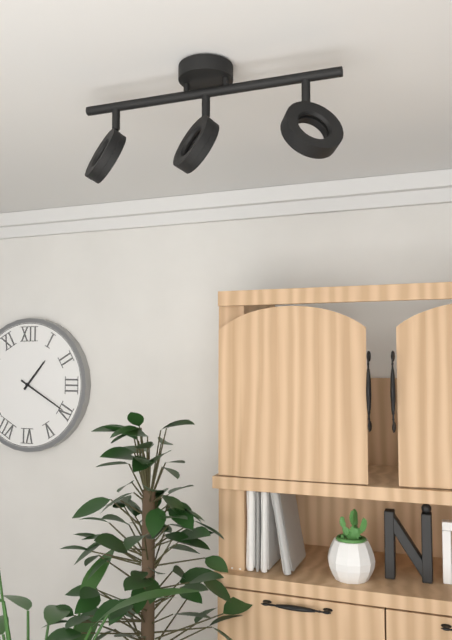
1 h 20 min
